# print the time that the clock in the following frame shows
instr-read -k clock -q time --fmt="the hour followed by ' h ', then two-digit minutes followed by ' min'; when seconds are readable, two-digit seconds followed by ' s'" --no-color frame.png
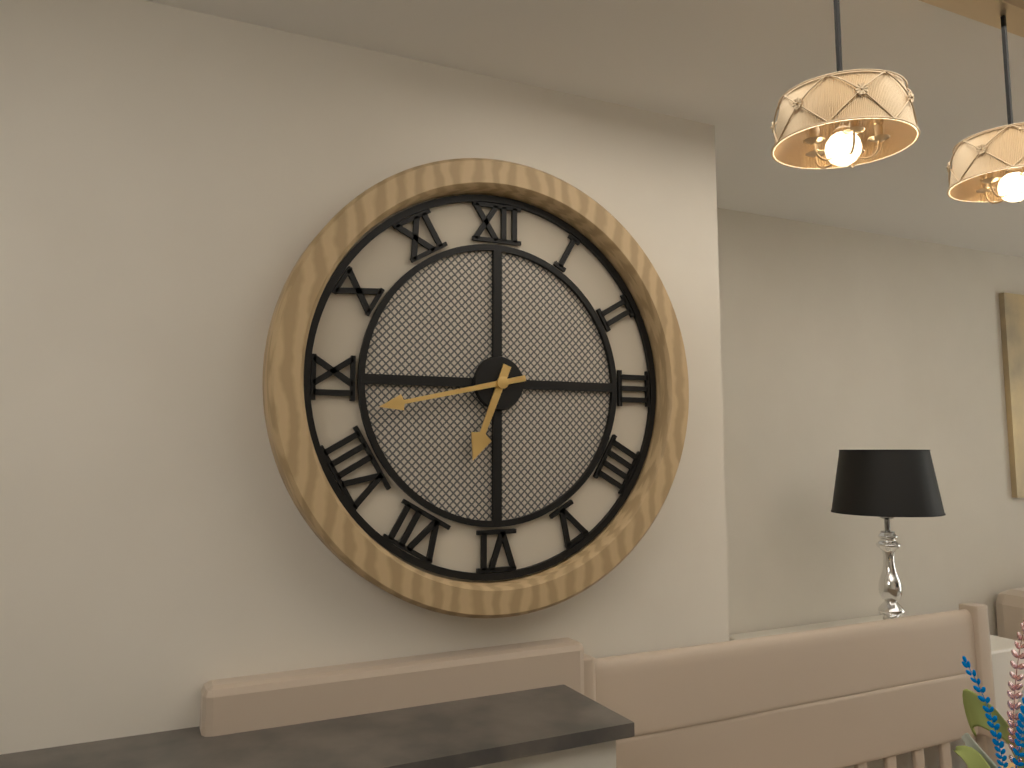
6 h 43 min
